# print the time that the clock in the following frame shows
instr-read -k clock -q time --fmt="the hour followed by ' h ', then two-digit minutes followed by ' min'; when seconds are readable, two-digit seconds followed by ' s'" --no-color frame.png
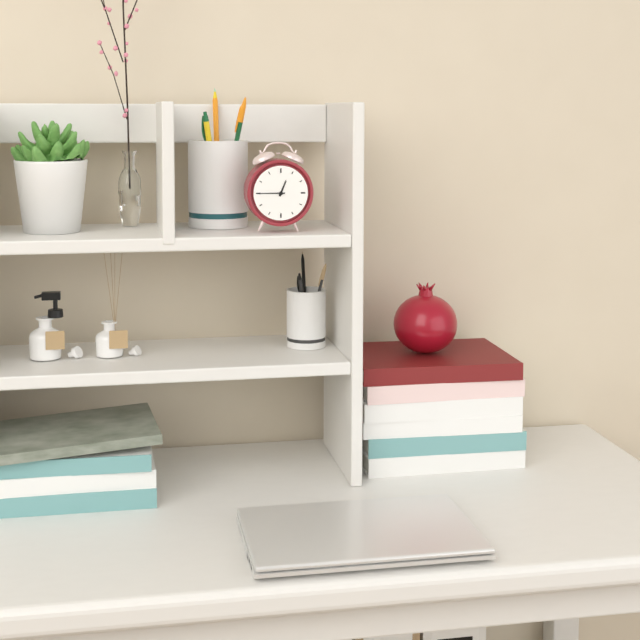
12 h 45 min
